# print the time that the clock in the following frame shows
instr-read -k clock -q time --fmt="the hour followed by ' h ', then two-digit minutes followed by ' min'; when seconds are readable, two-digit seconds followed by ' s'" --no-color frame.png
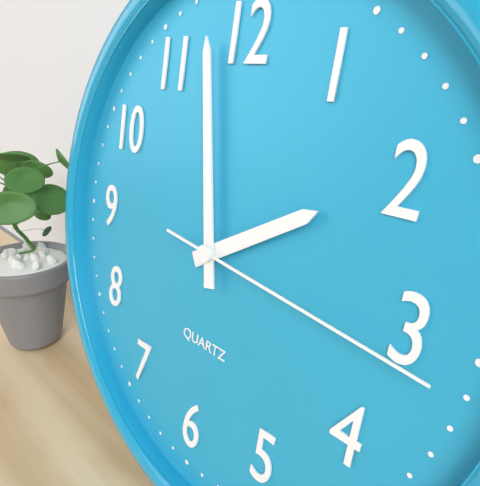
1 h 58 min 16 s
